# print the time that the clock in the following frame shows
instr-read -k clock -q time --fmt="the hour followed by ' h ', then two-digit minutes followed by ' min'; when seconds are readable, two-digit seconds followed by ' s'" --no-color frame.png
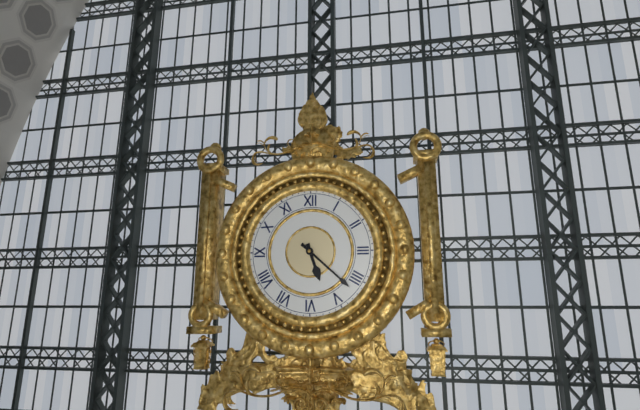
5 h 22 min
